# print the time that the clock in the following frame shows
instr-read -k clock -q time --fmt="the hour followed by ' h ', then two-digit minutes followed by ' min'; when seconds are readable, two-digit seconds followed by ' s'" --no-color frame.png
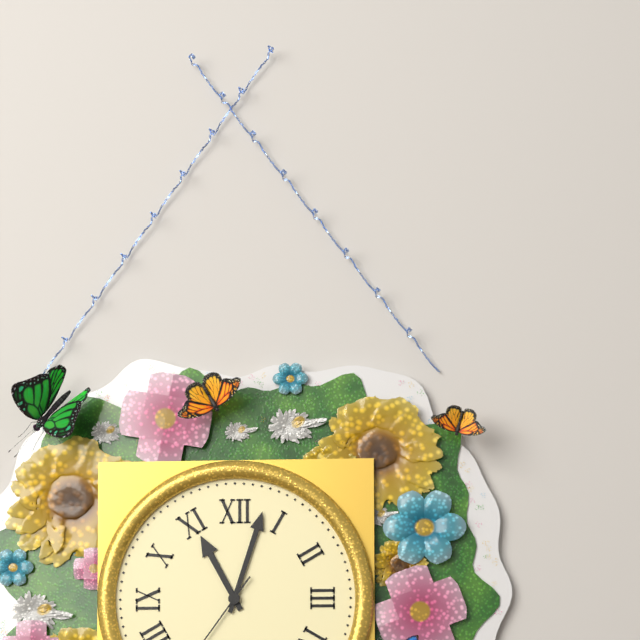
11 h 03 min
